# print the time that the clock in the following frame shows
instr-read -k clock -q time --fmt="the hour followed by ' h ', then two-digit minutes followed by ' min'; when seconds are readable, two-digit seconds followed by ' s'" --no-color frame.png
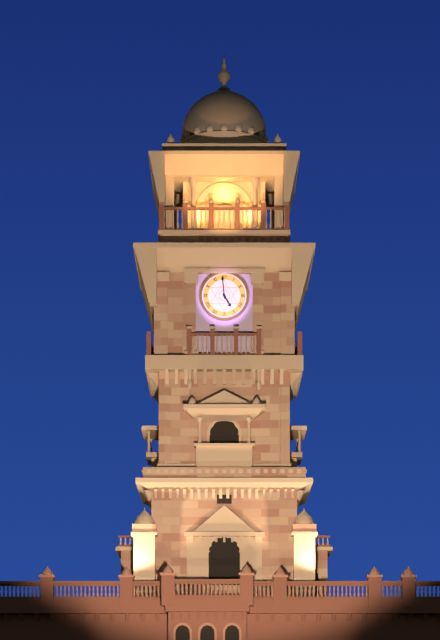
4 h 59 min
